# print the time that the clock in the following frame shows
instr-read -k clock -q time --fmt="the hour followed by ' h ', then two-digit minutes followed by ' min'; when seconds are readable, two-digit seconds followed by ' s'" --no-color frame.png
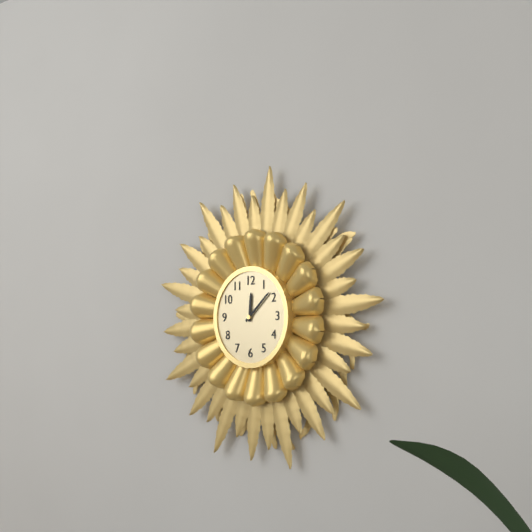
12 h 08 min
